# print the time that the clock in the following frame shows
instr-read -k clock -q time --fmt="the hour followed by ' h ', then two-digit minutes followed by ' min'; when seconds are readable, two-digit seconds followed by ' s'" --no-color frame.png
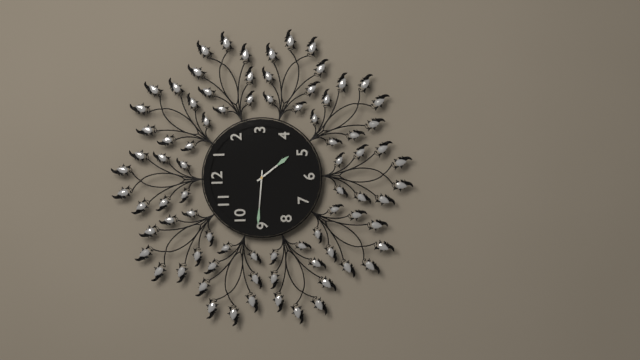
4 h 46 min
